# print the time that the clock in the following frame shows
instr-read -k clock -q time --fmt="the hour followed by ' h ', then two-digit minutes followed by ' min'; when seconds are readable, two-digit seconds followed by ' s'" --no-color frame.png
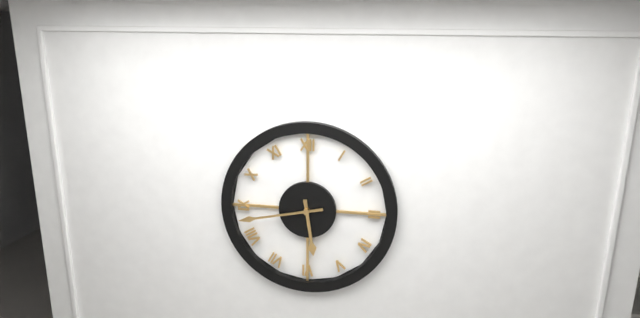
5 h 43 min
